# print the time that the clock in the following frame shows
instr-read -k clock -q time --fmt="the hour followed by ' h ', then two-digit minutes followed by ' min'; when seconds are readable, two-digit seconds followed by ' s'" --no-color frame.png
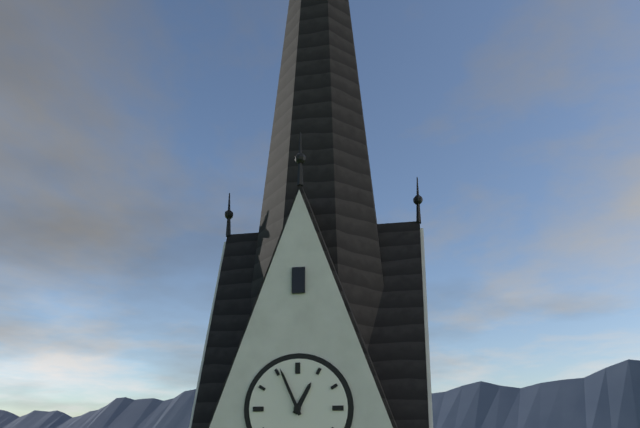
12 h 56 min
